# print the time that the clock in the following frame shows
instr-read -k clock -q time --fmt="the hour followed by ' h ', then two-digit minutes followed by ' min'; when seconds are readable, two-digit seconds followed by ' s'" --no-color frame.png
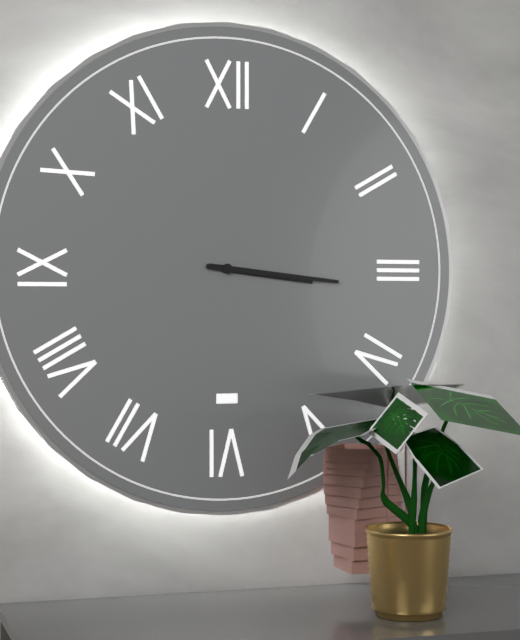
3 h 16 min
